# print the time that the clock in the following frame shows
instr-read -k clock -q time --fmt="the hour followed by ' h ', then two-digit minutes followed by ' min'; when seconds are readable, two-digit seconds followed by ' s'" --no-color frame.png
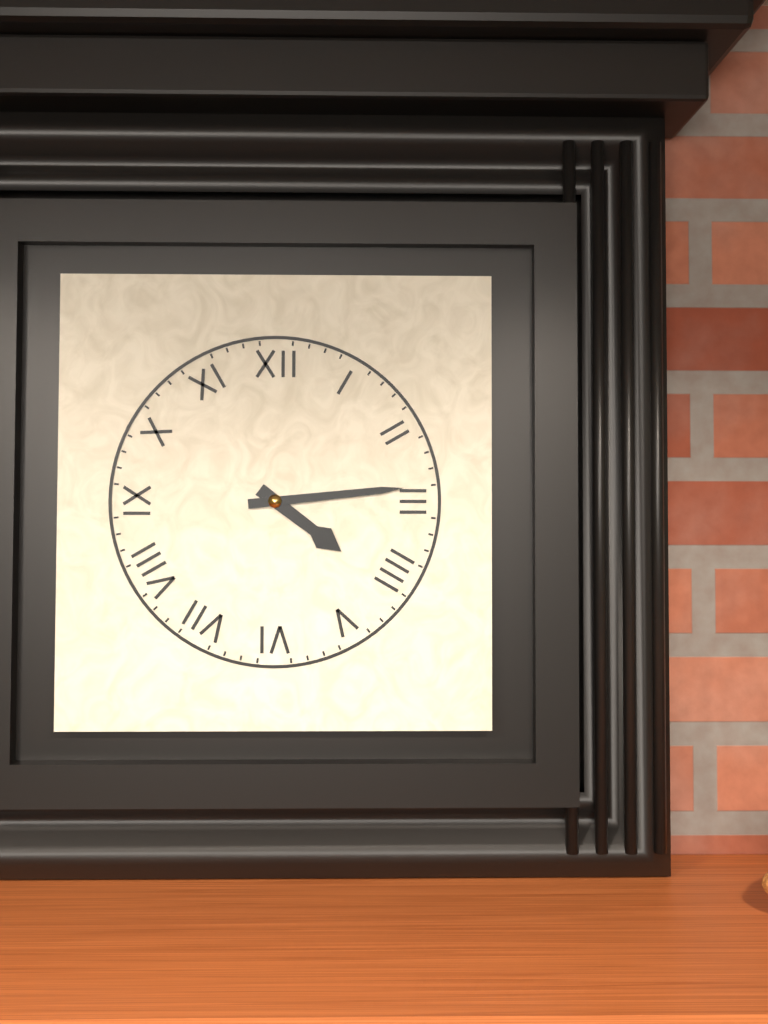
4 h 14 min
